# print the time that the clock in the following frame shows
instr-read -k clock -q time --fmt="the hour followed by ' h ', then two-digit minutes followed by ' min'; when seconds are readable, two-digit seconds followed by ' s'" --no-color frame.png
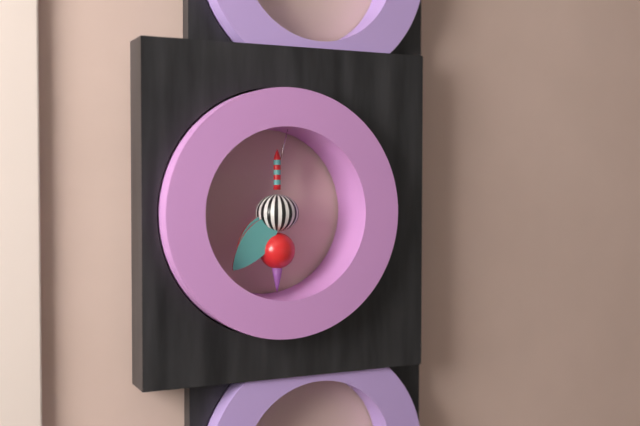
7 h 37 min
